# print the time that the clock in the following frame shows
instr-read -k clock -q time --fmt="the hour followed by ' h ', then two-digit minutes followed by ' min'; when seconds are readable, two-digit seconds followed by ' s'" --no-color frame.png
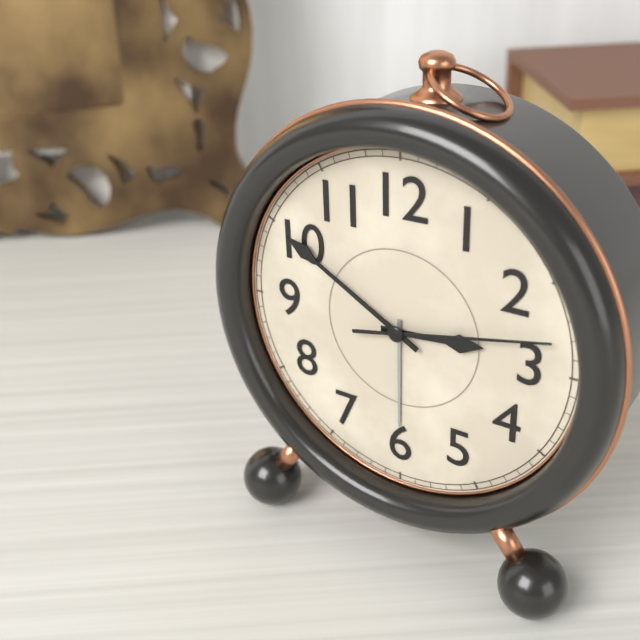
2 h 50 min 13 s
